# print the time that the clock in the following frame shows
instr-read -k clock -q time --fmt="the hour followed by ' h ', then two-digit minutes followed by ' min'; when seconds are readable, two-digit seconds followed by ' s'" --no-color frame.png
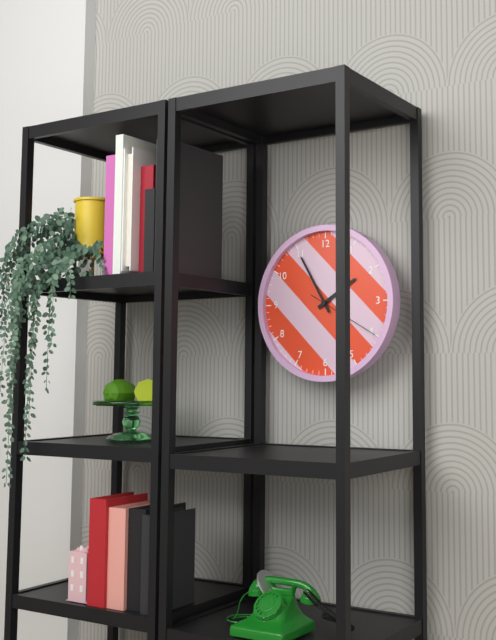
1 h 55 min 20 s
